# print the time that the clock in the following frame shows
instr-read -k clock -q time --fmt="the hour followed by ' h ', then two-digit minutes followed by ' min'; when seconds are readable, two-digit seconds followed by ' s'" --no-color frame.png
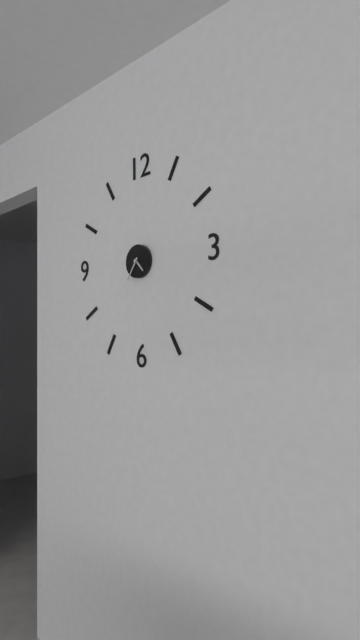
4 h 36 min
